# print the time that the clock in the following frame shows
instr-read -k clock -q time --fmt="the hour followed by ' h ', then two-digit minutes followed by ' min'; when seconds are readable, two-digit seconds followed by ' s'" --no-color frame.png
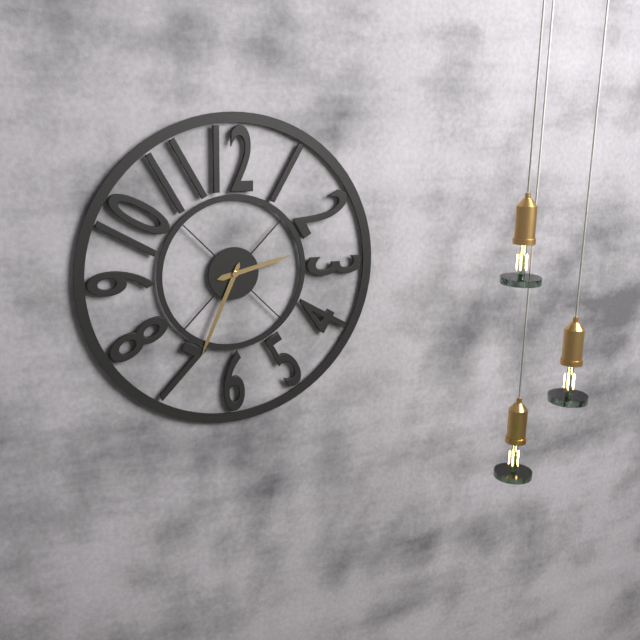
2 h 34 min
